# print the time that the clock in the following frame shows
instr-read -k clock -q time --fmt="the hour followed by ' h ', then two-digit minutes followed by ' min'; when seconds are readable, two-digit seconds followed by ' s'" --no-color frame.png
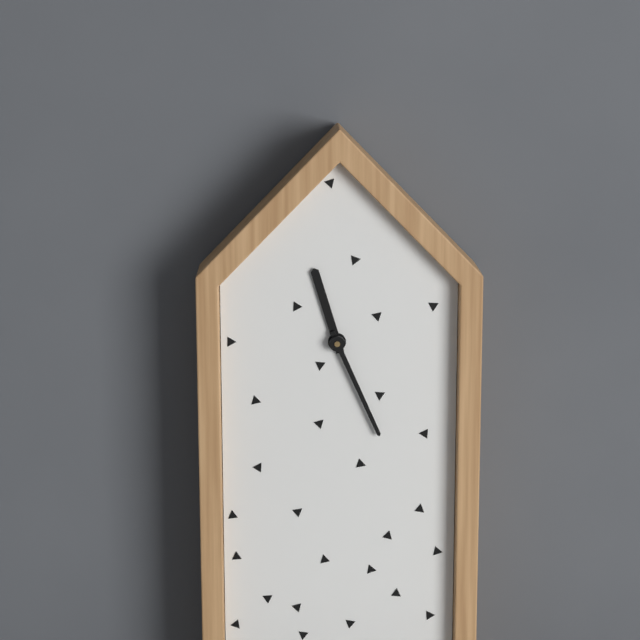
11 h 26 min
